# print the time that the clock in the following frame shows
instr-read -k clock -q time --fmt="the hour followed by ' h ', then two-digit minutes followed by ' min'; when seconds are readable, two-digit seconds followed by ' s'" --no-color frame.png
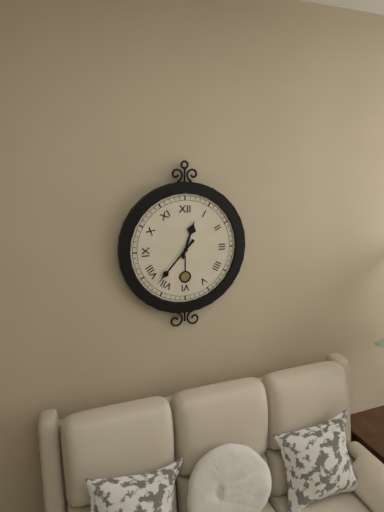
12 h 37 min
